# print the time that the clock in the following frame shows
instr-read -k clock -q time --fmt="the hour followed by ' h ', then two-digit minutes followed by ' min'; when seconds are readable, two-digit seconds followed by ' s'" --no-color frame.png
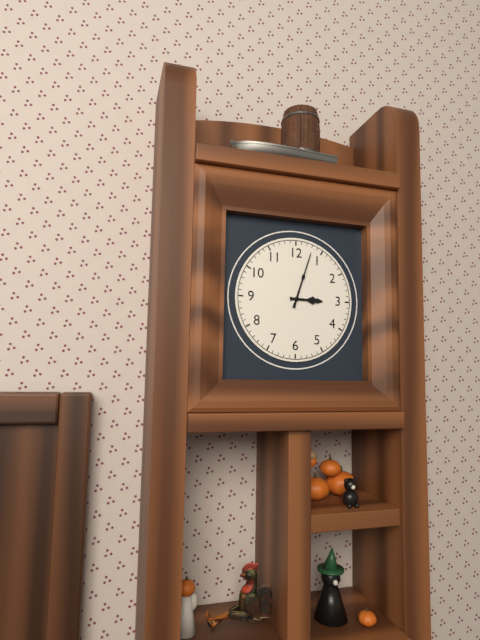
3 h 03 min
